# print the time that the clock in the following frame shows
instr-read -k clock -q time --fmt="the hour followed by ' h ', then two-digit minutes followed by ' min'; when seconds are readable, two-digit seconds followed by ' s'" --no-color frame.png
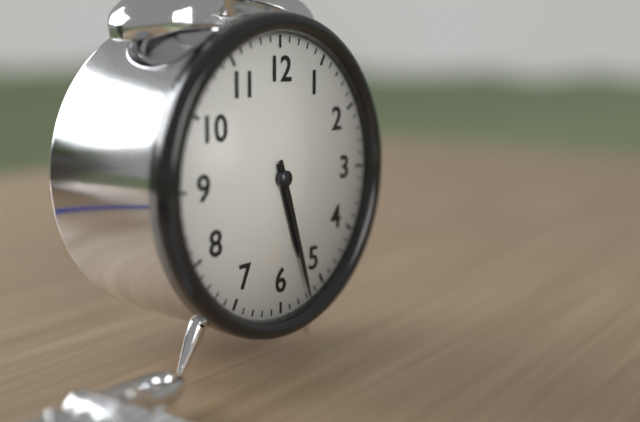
5 h 27 min
